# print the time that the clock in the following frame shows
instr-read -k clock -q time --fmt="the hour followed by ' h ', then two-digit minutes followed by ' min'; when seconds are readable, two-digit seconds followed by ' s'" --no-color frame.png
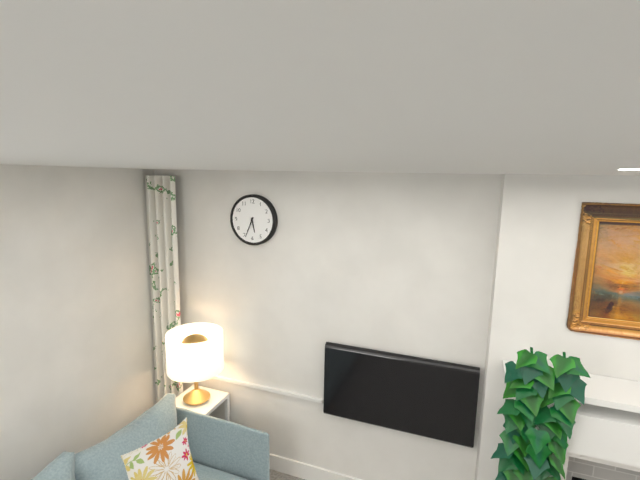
5 h 34 min
